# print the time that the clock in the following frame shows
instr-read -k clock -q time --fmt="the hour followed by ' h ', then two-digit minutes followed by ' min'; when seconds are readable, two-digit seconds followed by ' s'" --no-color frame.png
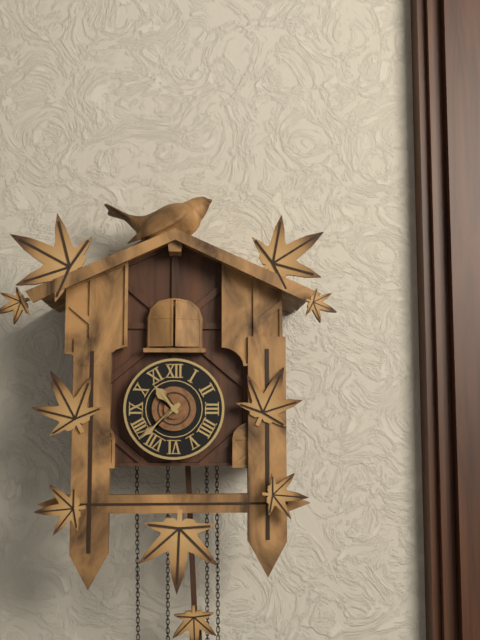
10 h 38 min
